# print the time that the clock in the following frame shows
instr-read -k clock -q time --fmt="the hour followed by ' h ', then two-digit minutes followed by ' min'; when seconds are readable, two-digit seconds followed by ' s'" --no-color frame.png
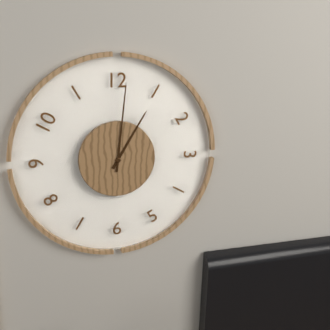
1 h 01 min
